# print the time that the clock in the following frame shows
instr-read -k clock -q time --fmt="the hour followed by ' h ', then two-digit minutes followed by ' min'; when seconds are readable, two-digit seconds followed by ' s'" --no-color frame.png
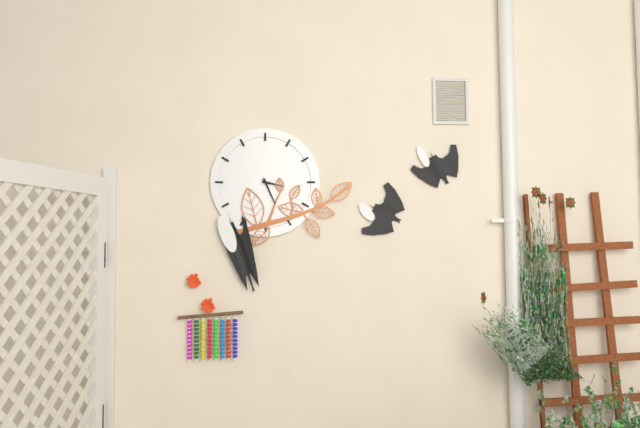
3 h 26 min
